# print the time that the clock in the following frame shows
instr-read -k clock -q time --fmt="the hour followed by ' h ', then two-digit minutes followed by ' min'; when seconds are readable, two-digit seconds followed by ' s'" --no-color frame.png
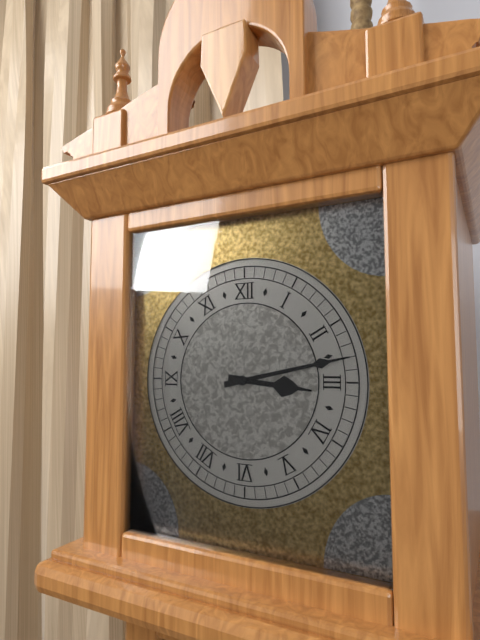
3 h 13 min
